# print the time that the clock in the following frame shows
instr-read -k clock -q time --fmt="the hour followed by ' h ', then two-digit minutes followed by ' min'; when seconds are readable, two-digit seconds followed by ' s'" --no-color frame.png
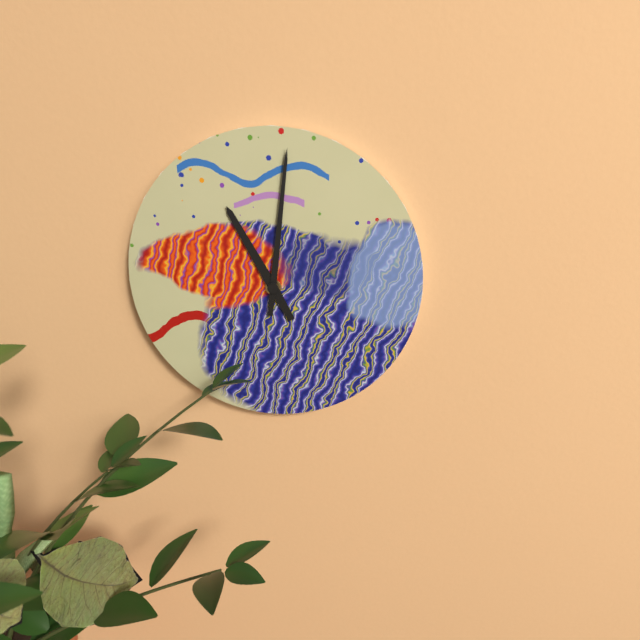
11 h 01 min
